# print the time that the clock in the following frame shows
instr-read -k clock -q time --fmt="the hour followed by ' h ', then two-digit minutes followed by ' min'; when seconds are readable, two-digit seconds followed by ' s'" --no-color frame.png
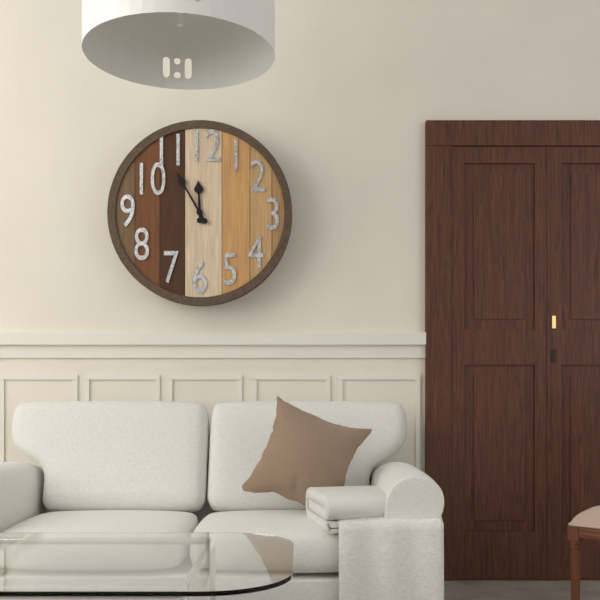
11 h 55 min
